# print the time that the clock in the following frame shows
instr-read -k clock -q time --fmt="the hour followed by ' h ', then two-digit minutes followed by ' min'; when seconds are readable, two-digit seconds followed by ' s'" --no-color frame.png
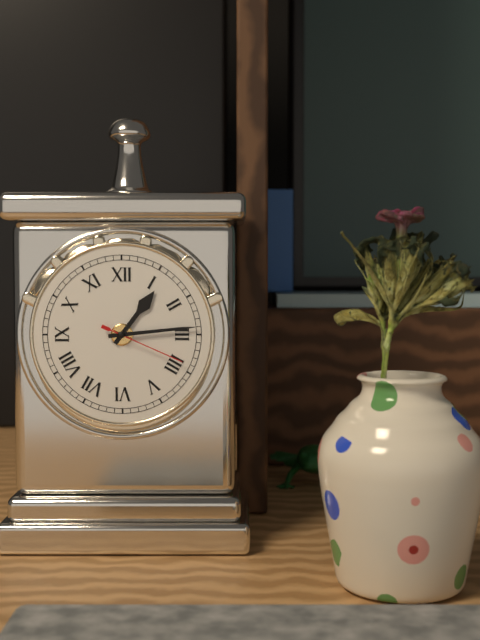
1 h 14 min 19 s
